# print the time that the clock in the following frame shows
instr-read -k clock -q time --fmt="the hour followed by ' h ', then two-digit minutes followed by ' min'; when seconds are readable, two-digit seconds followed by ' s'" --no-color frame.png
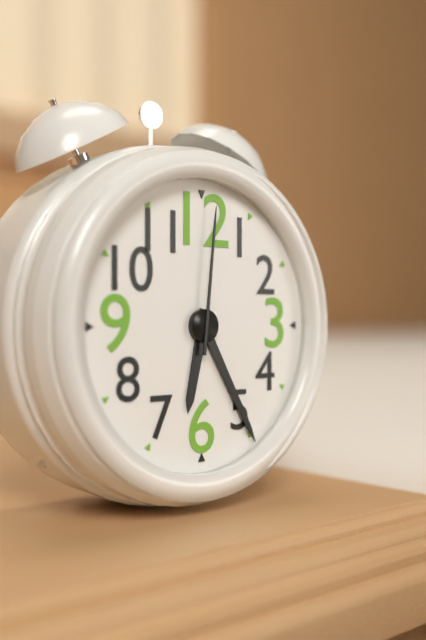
6 h 25 min 01 s
